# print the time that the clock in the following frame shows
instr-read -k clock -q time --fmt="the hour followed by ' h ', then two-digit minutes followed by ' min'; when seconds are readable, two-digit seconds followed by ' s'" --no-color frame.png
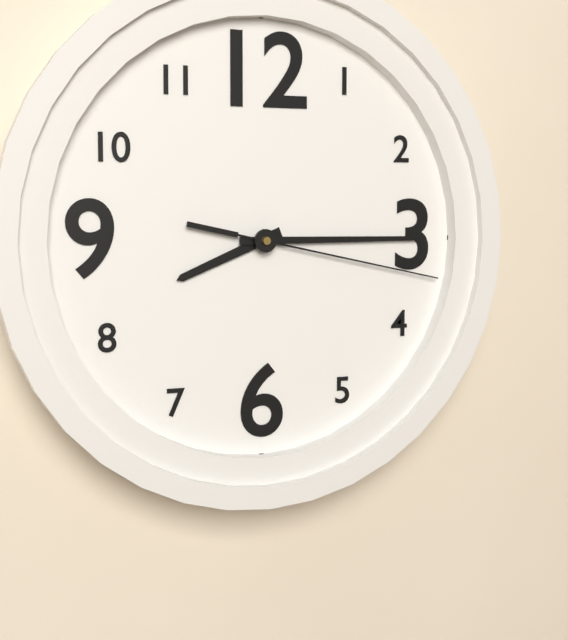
8 h 15 min 17 s
